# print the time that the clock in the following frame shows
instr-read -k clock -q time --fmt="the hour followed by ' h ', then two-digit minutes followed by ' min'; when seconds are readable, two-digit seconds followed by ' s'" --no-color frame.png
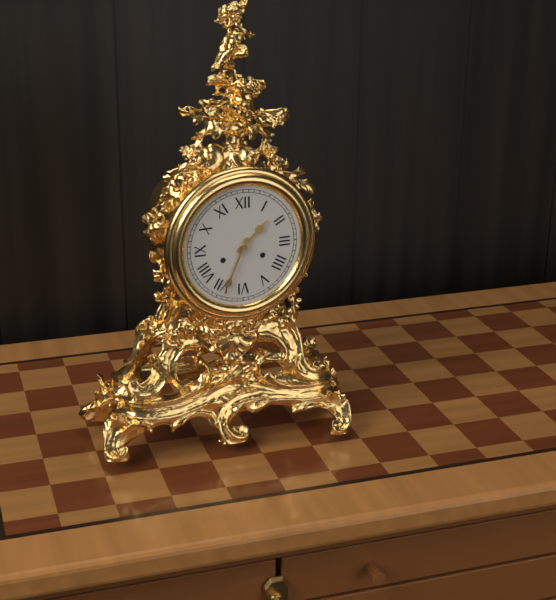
1 h 34 min
